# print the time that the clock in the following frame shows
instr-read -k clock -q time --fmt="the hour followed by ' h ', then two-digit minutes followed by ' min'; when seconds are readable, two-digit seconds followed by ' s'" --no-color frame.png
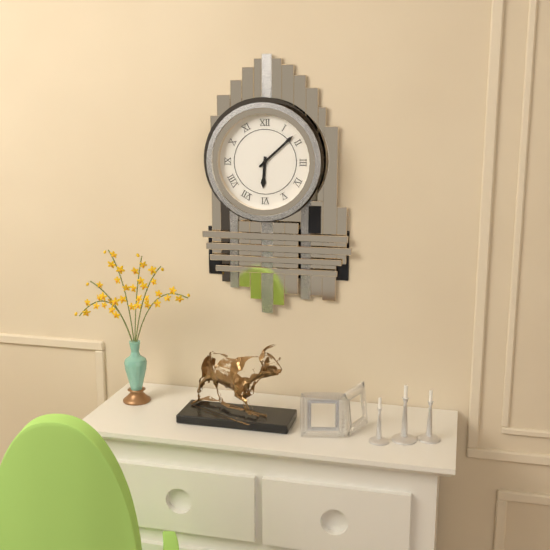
6 h 08 min
